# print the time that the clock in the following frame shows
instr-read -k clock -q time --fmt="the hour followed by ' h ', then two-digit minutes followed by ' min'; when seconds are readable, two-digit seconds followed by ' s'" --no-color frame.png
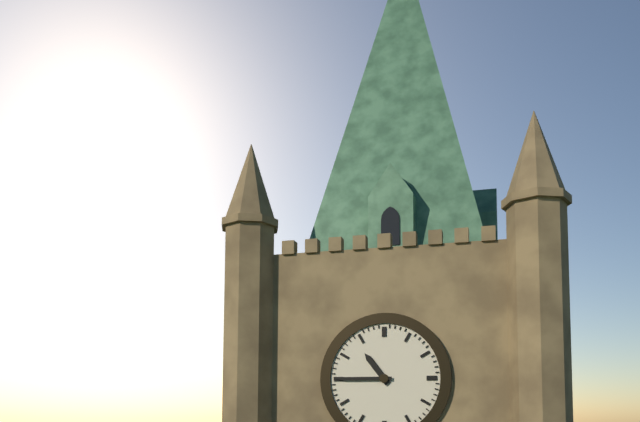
10 h 45 min
